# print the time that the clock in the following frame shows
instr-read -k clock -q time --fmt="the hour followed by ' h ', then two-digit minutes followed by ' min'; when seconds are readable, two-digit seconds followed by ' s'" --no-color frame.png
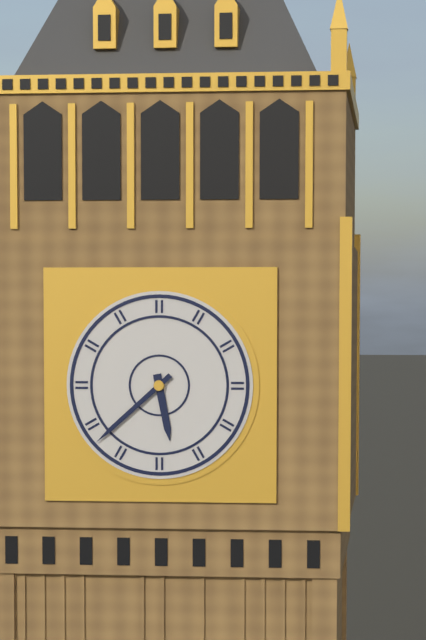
5 h 38 min
